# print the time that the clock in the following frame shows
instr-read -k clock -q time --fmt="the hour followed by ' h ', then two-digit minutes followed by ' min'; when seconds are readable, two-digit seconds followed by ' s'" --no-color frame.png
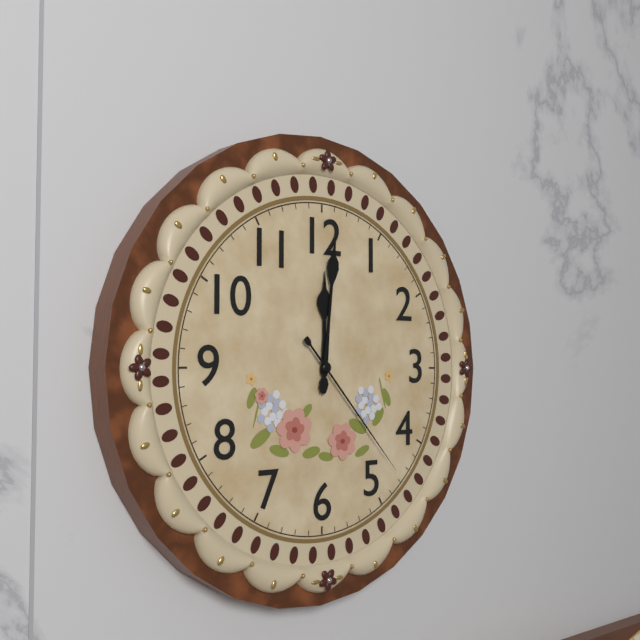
12 h 01 min 23 s
